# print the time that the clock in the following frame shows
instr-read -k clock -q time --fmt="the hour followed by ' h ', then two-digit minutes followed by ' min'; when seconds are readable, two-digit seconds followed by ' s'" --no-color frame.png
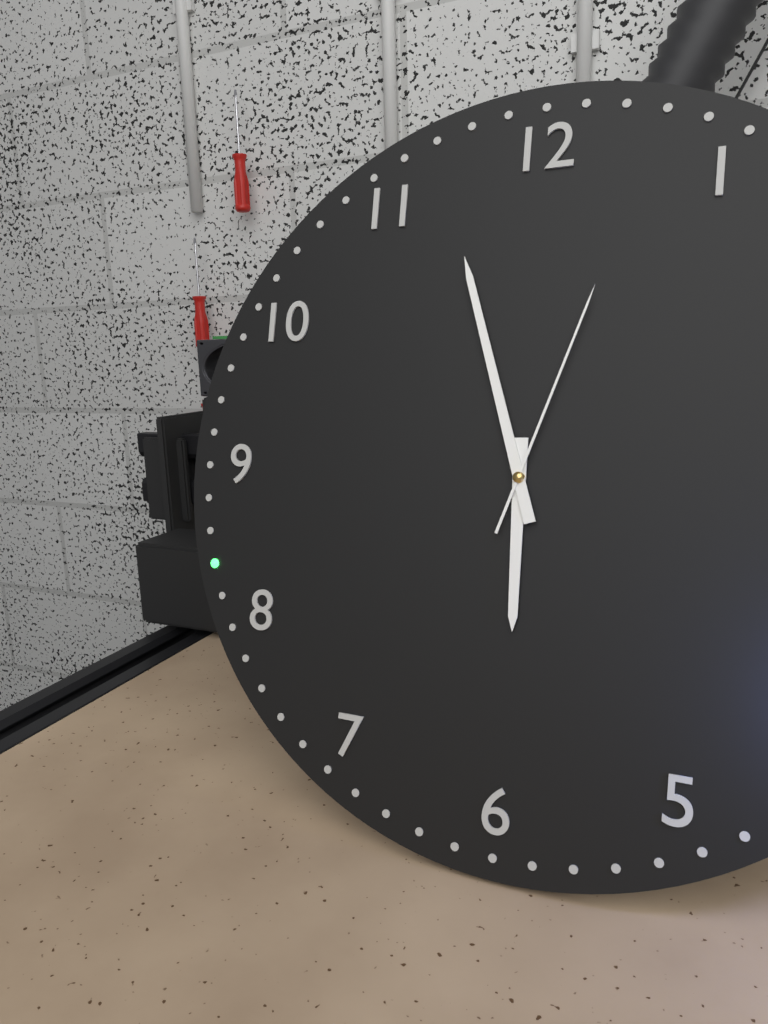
5 h 57 min 03 s
